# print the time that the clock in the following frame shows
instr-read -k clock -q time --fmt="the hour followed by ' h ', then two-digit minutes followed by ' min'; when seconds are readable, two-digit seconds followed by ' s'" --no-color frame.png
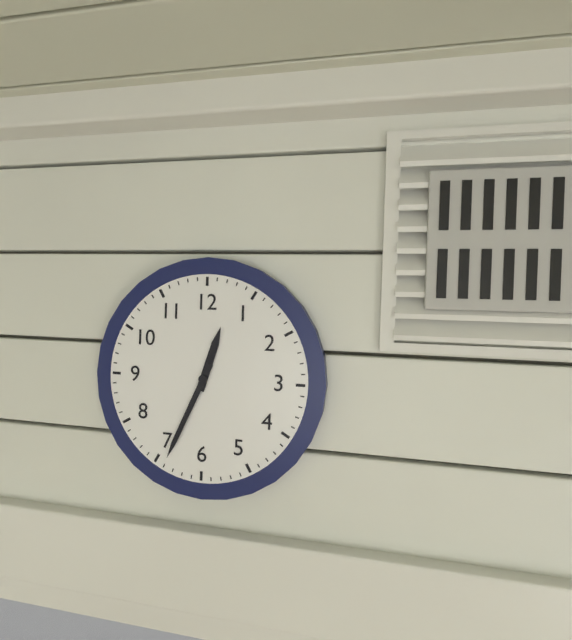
12 h 34 min
